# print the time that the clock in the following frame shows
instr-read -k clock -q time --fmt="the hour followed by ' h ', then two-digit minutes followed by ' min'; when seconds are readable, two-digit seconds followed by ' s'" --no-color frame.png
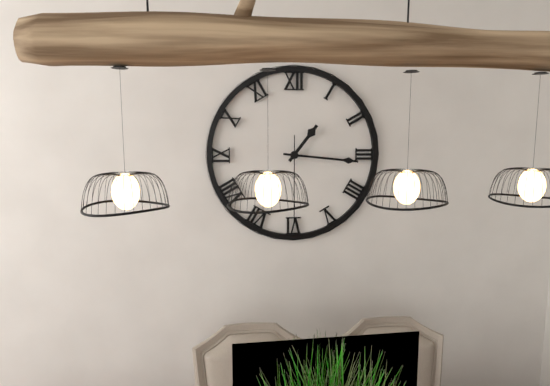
1 h 16 min 30 s
